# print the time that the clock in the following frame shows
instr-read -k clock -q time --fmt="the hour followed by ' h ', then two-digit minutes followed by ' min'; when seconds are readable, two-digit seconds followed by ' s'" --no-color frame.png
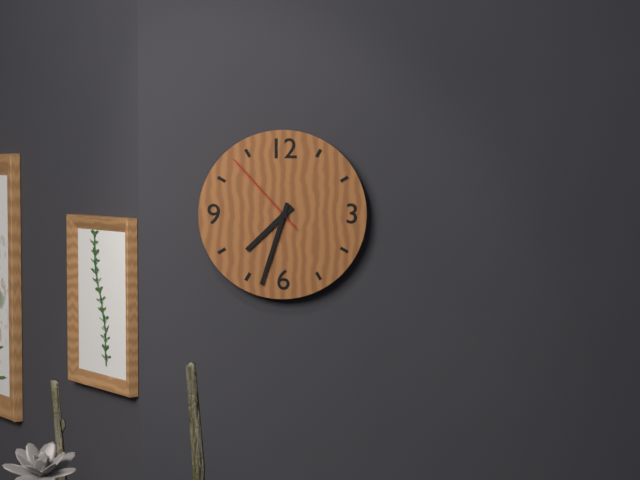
7 h 33 min 53 s
